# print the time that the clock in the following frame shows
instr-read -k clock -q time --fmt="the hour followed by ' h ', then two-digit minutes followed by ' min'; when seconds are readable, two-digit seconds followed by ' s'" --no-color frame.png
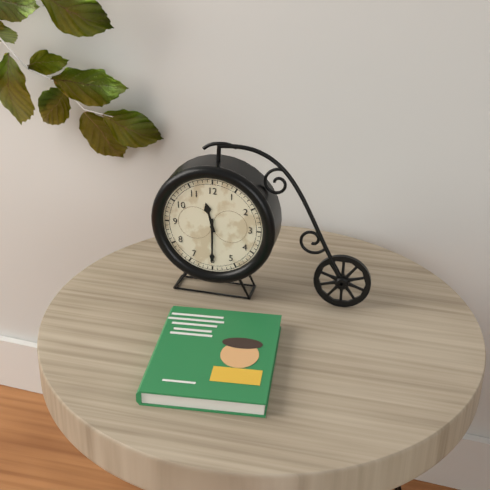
11 h 30 min
